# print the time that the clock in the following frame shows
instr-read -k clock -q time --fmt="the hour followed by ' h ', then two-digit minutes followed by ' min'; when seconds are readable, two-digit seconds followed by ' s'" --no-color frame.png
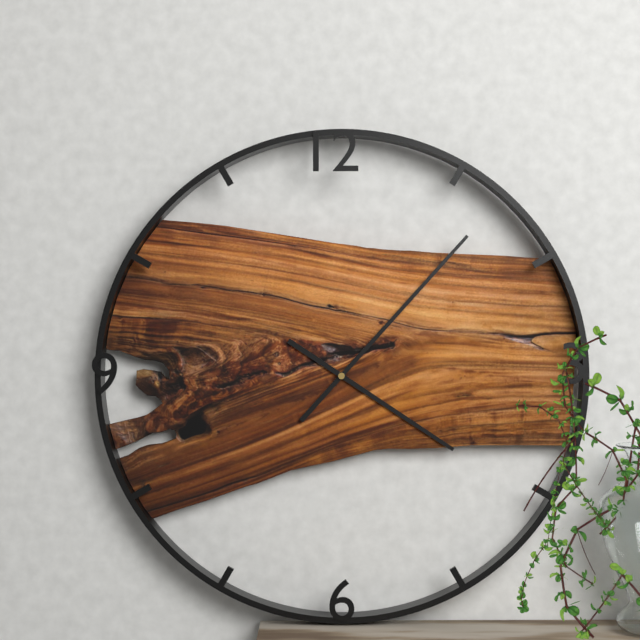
4 h 07 min
